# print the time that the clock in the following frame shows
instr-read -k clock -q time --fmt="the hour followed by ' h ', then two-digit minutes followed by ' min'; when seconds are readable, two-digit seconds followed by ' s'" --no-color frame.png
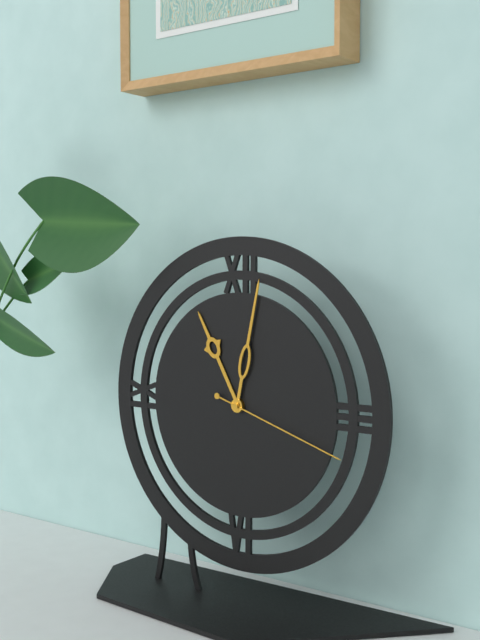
11 h 02 min 18 s
